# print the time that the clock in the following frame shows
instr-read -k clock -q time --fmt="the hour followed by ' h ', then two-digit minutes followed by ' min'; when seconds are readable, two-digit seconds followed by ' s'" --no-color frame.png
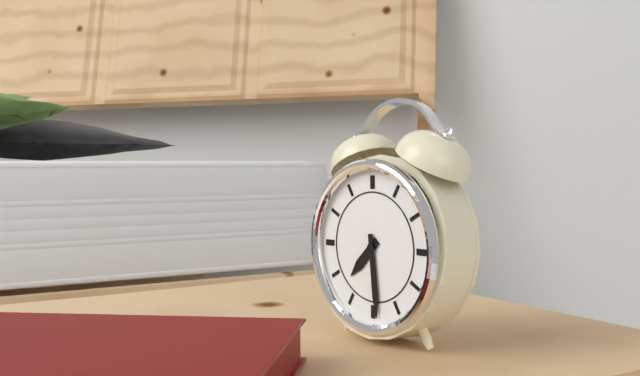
7 h 29 min
